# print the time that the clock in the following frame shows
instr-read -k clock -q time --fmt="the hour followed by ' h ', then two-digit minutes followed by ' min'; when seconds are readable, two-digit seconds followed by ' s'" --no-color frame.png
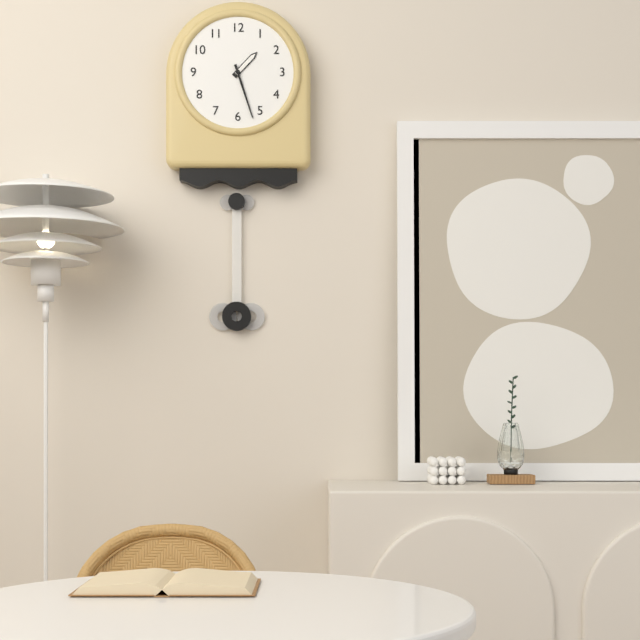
1 h 27 min
